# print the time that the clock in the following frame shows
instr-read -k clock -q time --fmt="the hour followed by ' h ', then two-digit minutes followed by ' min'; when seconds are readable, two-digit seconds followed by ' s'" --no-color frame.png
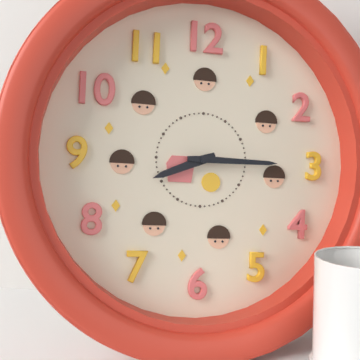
8 h 15 min
